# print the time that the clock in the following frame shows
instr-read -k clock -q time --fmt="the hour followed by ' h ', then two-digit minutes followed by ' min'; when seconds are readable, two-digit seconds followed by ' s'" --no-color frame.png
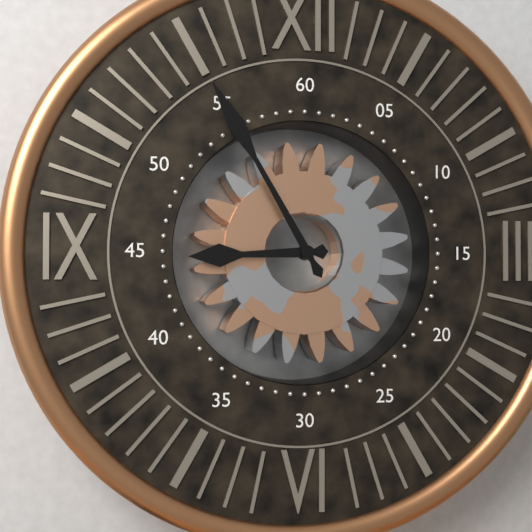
8 h 55 min
